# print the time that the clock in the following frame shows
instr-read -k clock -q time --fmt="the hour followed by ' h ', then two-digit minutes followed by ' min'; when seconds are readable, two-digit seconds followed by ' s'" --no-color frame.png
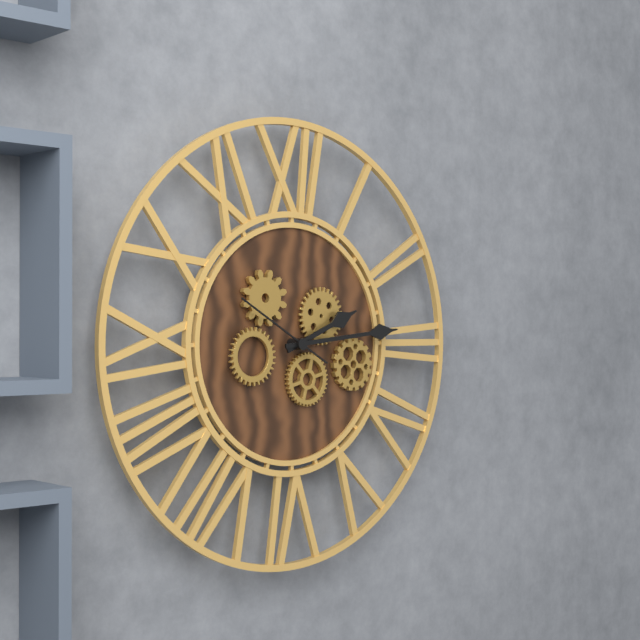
2 h 14 min 50 s
